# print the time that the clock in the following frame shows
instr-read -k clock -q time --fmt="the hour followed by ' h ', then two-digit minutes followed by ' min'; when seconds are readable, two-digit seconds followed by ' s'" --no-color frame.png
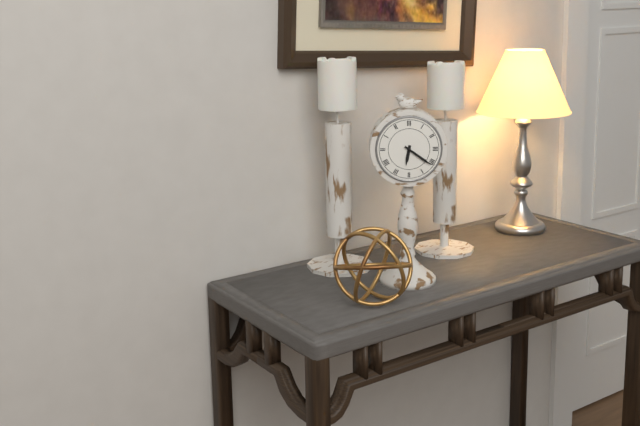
6 h 21 min
